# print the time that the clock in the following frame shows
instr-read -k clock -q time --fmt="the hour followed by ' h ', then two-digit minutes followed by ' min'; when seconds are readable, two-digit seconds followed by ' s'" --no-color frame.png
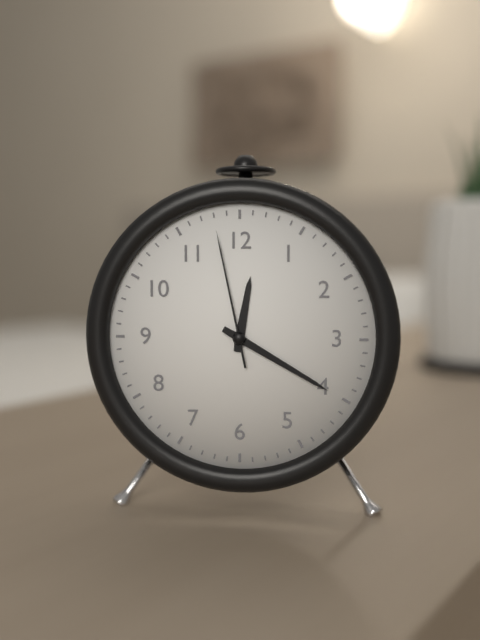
12 h 20 min 58 s
